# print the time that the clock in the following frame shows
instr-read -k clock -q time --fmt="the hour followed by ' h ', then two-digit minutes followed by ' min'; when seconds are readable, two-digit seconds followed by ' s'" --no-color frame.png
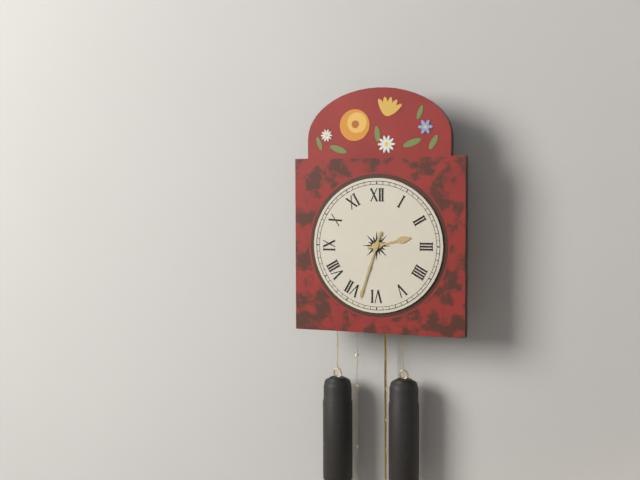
2 h 33 min
